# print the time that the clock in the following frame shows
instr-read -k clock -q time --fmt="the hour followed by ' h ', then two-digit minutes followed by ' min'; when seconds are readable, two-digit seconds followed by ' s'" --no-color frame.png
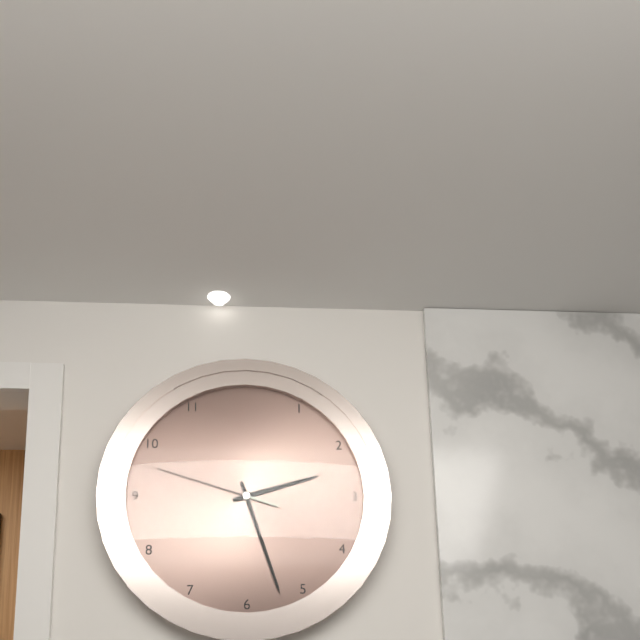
2 h 27 min 48 s
